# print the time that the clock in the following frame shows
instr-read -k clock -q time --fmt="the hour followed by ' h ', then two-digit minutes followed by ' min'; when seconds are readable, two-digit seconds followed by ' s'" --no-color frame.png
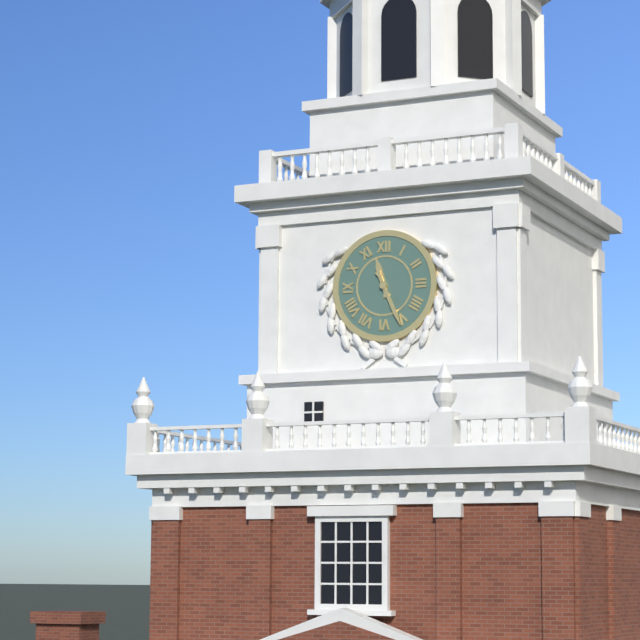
11 h 26 min
